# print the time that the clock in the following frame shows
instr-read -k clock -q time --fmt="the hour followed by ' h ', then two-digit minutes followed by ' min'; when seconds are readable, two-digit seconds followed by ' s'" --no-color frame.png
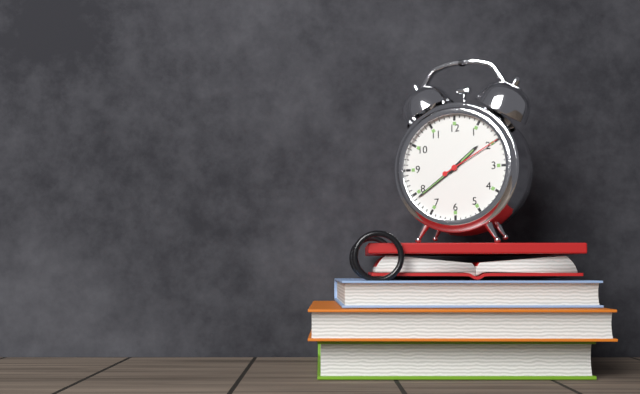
1 h 39 min 10 s
